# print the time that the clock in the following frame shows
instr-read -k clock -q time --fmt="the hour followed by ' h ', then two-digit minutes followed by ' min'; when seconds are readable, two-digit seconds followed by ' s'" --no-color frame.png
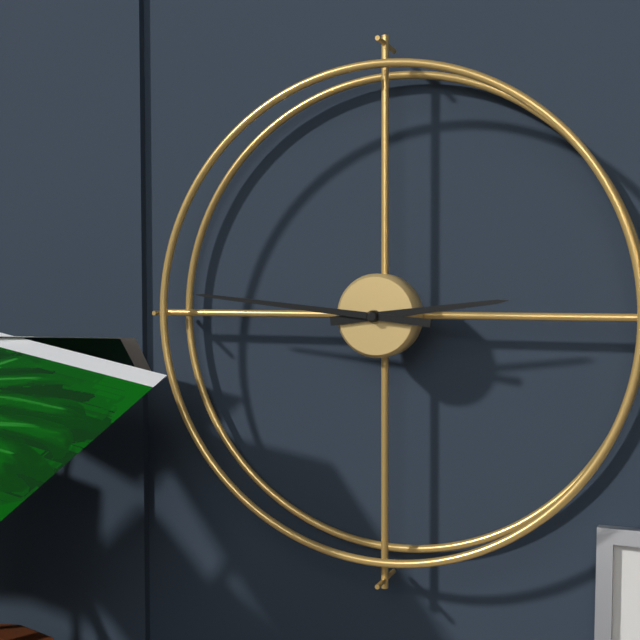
2 h 46 min
